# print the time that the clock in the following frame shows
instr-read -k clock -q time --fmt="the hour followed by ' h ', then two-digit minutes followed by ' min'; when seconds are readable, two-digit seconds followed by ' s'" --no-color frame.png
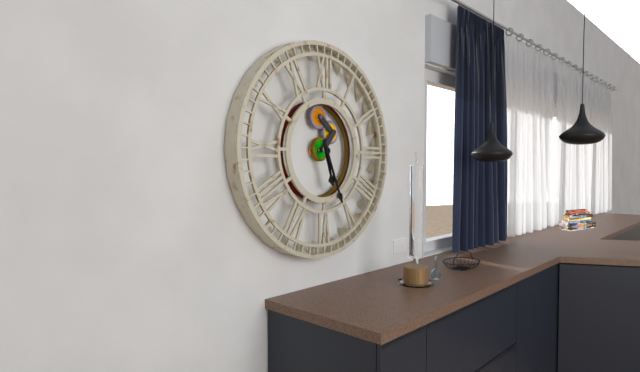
5 h 26 min
